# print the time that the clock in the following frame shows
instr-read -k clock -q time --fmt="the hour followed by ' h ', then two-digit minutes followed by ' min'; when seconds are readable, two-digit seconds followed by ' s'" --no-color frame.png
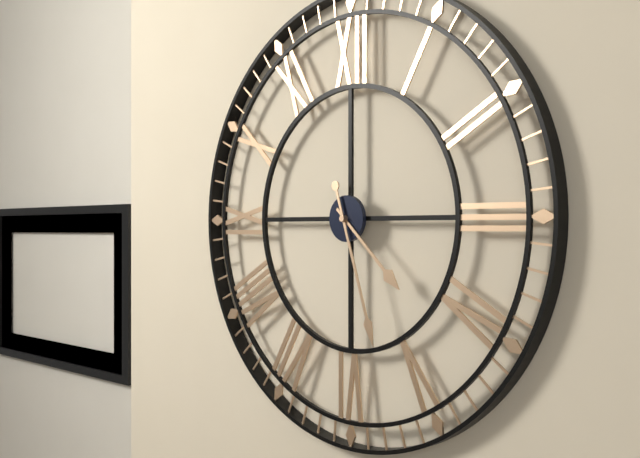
4 h 27 min
